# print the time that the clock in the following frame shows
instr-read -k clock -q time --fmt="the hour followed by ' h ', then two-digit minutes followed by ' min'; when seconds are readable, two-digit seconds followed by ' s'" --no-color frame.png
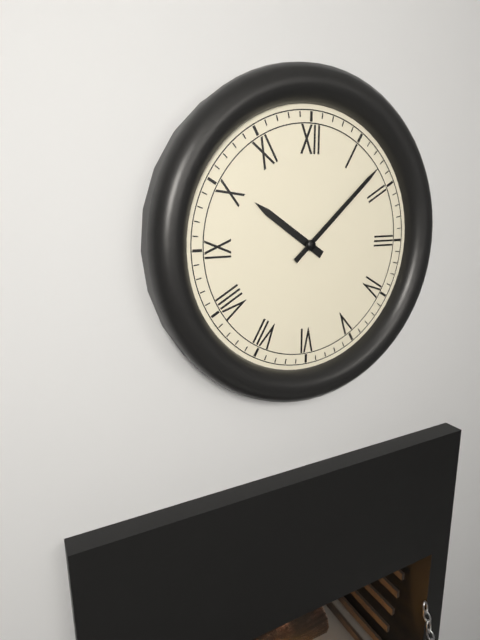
10 h 08 min
